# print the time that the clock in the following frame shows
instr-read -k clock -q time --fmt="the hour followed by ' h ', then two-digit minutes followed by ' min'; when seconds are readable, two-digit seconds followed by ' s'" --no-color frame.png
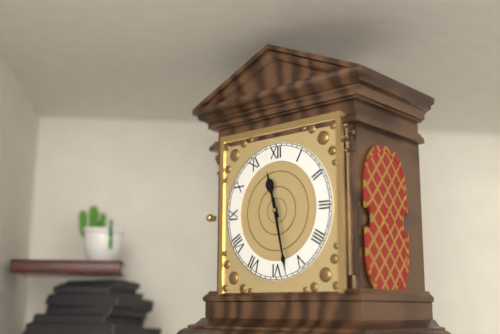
11 h 28 min
